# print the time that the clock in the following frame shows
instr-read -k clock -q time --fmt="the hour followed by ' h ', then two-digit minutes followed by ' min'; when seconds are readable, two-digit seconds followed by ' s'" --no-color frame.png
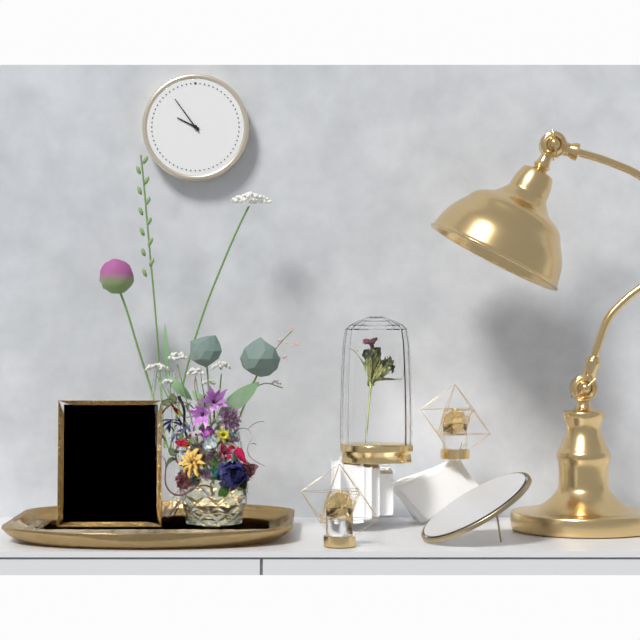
9 h 54 min
